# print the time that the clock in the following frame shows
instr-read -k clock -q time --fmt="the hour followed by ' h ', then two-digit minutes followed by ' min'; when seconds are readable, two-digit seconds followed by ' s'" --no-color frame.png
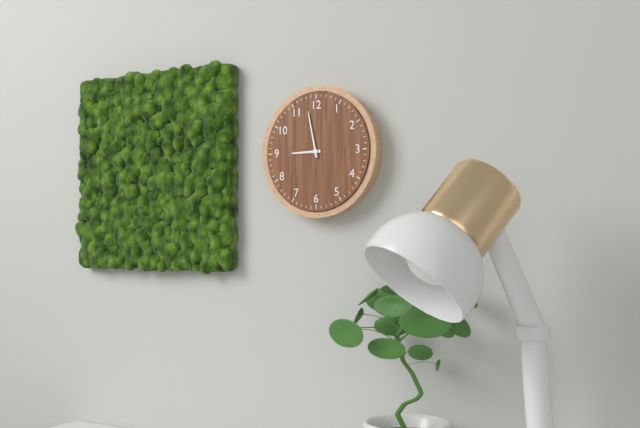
8 h 58 min
